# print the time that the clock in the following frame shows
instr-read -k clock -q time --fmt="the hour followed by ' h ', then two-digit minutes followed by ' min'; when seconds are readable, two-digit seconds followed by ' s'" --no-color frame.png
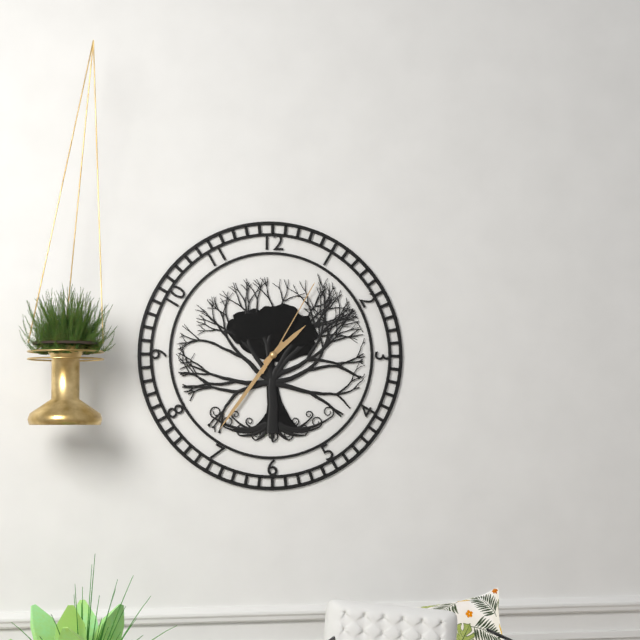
1 h 36 min 05 s
